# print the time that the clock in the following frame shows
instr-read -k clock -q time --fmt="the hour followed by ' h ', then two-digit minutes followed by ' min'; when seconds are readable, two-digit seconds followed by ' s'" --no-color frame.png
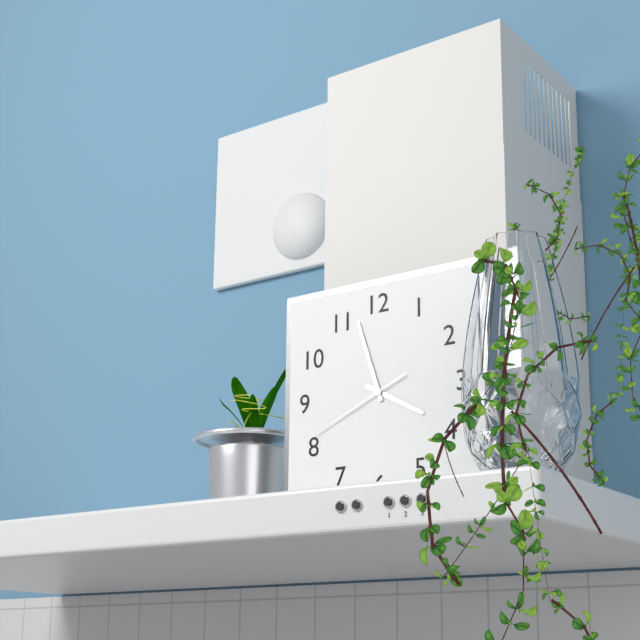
3 h 57 min 41 s
